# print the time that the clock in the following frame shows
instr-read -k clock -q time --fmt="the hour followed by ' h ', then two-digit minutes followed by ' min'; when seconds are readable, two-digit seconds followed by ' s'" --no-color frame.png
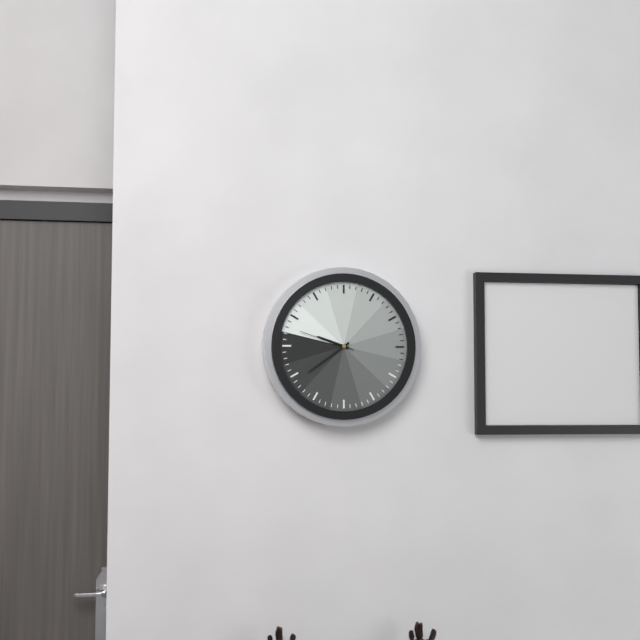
9 h 39 min 48 s
